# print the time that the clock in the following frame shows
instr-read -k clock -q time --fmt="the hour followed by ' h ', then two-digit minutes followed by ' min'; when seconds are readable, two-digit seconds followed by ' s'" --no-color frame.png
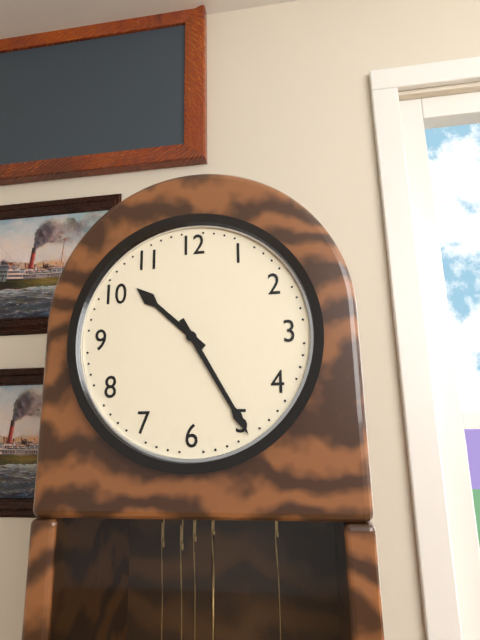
10 h 25 min
